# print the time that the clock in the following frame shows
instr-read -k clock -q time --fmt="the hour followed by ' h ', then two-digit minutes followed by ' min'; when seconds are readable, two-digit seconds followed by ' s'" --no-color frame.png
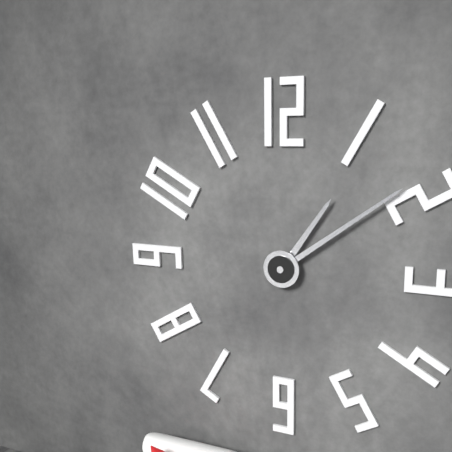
1 h 09 min
